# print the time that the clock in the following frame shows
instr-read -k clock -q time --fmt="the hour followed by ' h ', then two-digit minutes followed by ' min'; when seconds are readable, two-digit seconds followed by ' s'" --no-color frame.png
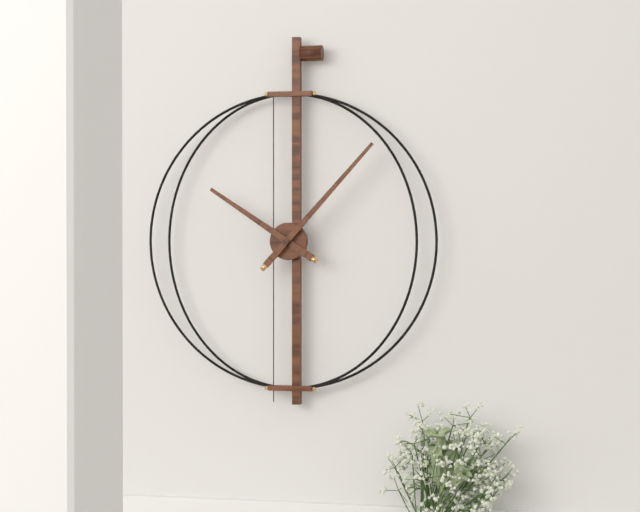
10 h 07 min
